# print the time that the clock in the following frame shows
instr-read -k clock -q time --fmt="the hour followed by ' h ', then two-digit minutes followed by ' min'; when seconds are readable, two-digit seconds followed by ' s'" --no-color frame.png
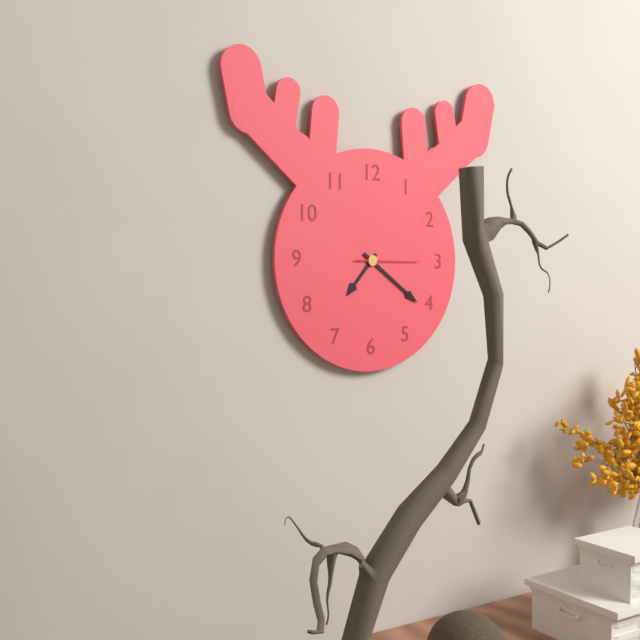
7 h 21 min 15 s
